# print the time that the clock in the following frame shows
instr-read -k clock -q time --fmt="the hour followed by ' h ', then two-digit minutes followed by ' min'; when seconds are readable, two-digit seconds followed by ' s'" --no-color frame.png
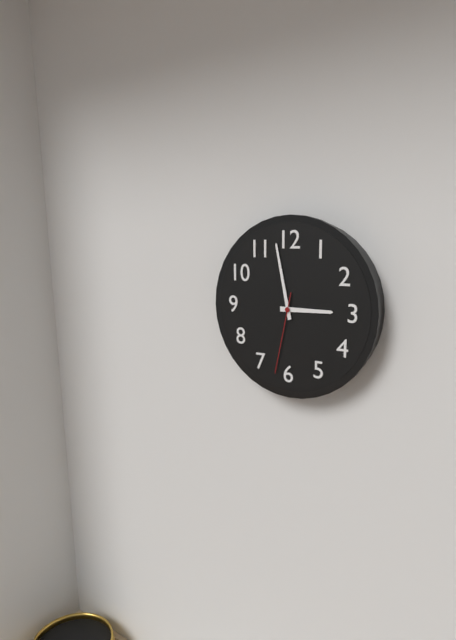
2 h 58 min 32 s
